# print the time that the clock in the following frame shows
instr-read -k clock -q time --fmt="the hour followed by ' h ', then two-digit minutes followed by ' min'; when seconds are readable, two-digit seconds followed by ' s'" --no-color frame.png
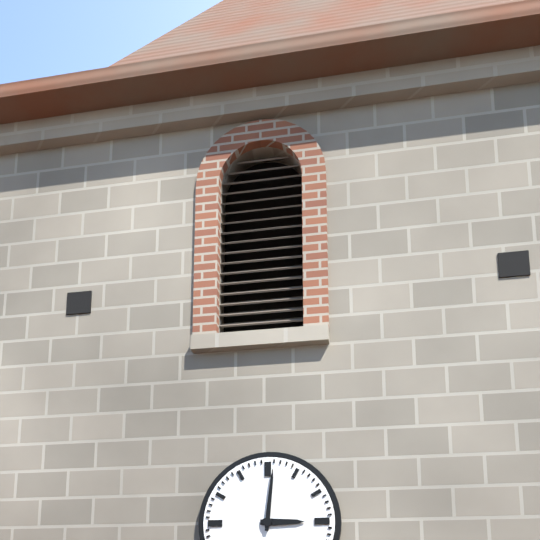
3 h 01 min
